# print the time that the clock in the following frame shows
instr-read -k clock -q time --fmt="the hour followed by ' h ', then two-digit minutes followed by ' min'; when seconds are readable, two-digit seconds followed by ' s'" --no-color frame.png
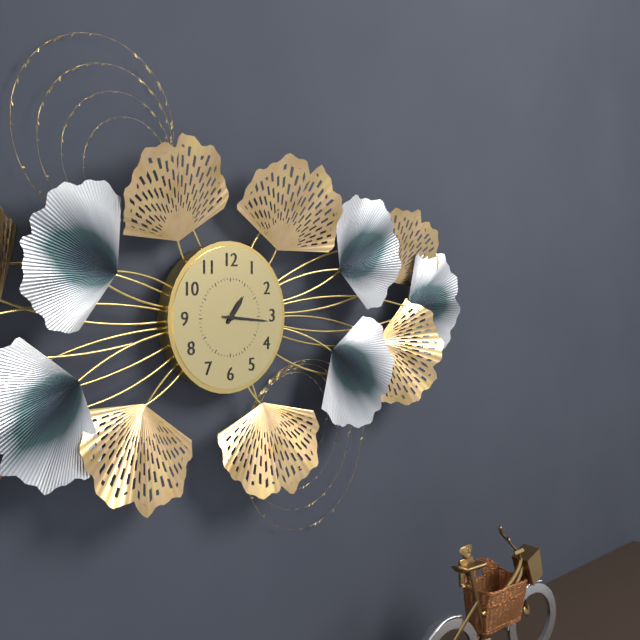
1 h 16 min
